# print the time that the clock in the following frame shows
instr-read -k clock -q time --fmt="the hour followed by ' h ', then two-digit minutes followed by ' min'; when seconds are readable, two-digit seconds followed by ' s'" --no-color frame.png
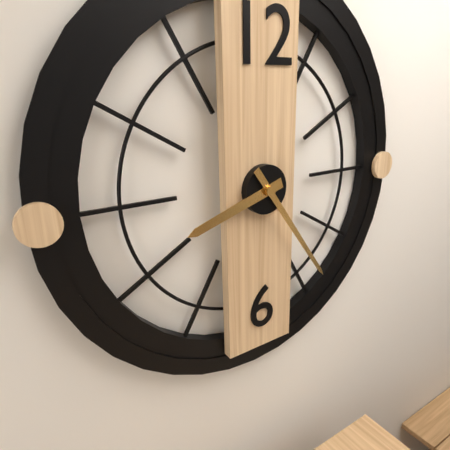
8 h 24 min
